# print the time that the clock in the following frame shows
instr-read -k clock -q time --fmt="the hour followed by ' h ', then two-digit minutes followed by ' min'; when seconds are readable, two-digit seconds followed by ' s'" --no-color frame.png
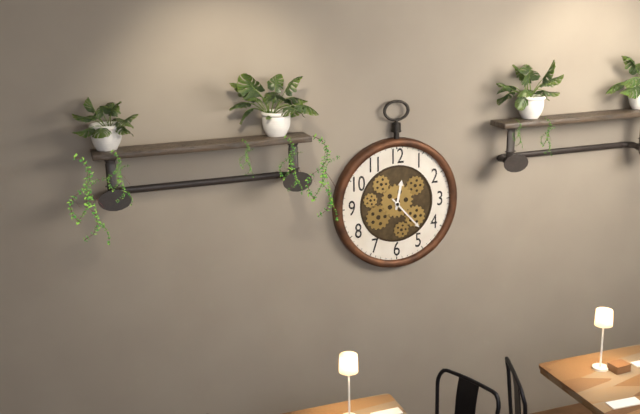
12 h 23 min
